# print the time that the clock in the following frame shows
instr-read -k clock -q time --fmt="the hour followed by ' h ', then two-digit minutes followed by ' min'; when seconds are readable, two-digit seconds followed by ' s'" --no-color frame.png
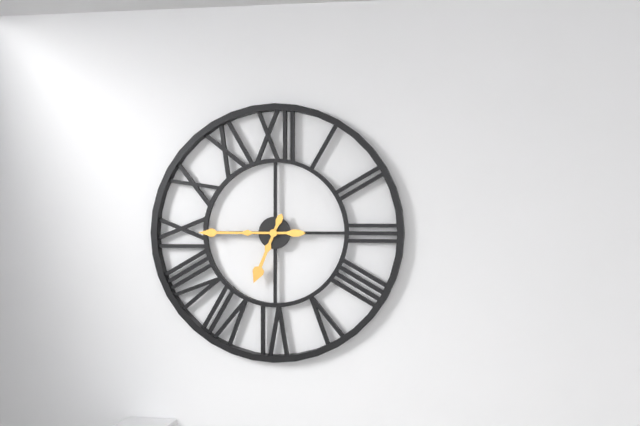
6 h 45 min
